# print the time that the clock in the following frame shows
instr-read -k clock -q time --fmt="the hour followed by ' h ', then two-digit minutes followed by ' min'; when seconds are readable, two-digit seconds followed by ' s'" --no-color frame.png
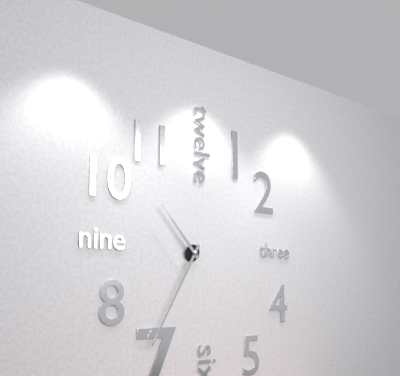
10 h 35 min
